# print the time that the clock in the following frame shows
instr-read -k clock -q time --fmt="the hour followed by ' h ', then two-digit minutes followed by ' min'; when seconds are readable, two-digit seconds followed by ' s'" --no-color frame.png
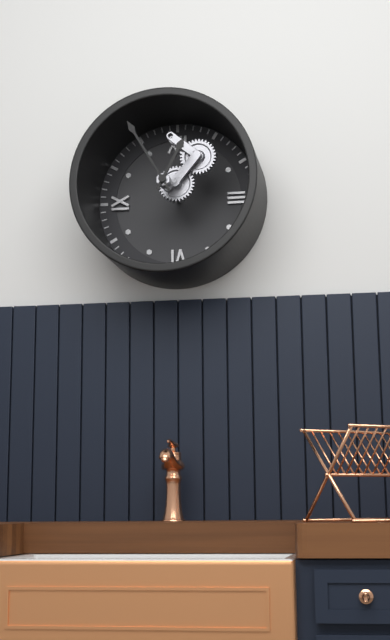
12 h 55 min
